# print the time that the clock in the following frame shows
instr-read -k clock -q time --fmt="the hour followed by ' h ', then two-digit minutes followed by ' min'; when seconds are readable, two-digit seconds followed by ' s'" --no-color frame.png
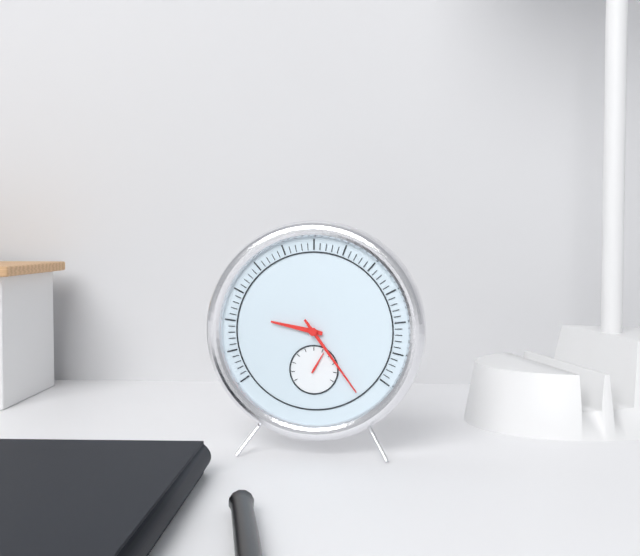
9 h 24 min
